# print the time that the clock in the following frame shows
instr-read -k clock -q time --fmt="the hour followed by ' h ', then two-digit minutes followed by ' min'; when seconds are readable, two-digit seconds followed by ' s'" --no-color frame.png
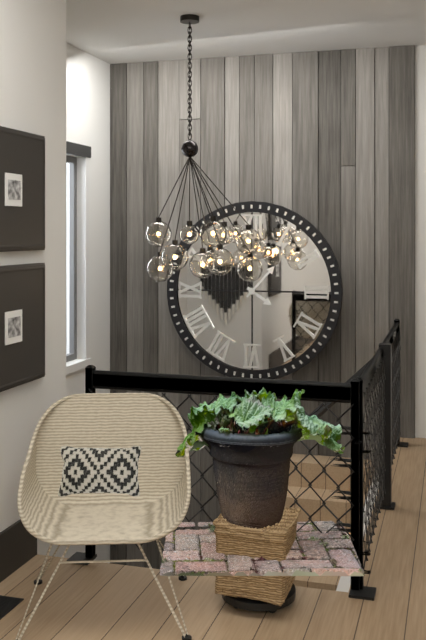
4 h 07 min
